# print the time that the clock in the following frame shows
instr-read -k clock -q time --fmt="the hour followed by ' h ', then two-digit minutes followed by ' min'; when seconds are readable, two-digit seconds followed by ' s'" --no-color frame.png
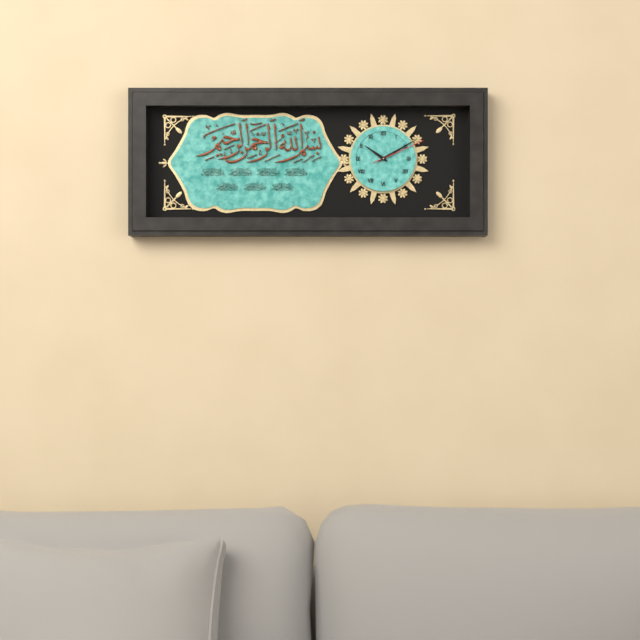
10 h 10 min 11 s
